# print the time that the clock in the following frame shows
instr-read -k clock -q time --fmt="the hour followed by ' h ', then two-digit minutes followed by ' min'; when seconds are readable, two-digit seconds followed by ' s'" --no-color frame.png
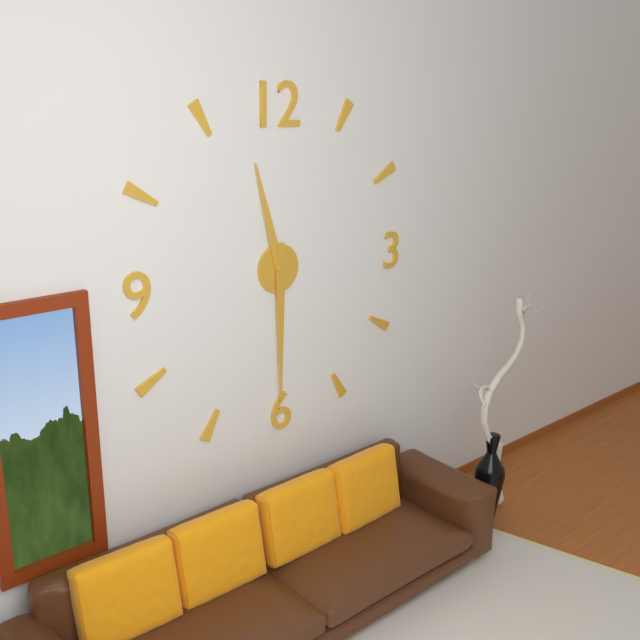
11 h 30 min
